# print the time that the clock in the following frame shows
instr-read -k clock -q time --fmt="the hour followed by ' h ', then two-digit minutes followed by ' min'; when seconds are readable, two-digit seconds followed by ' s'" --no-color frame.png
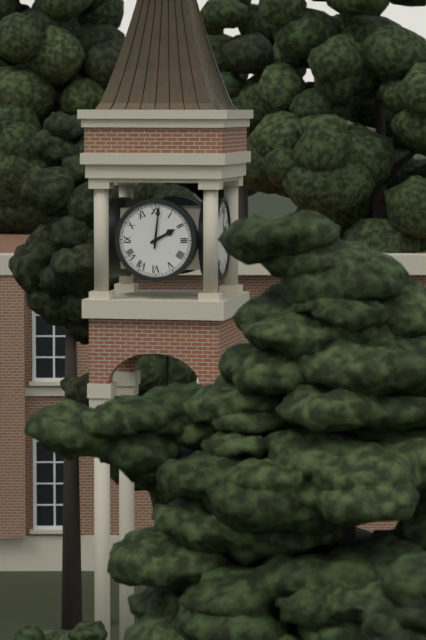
2 h 01 min
